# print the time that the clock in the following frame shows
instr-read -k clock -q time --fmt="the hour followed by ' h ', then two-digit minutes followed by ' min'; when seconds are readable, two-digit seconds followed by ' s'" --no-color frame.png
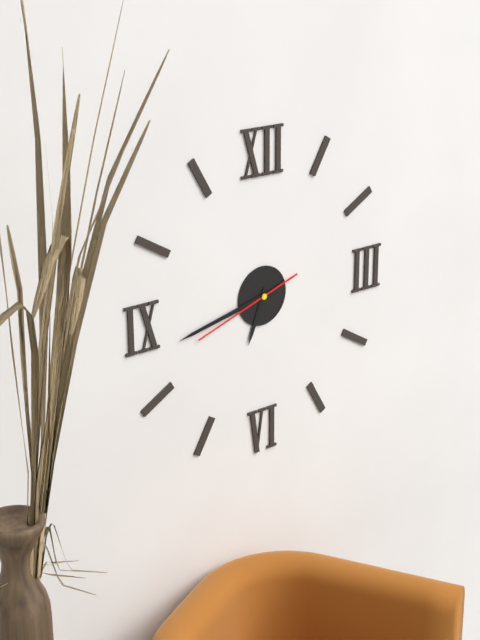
6 h 43 min 42 s
